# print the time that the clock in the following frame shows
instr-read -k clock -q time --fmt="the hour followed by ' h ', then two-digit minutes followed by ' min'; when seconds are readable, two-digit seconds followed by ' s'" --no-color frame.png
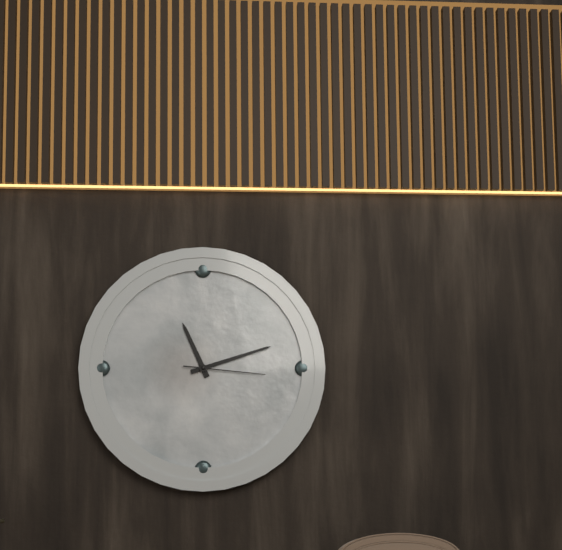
11 h 12 min 16 s
